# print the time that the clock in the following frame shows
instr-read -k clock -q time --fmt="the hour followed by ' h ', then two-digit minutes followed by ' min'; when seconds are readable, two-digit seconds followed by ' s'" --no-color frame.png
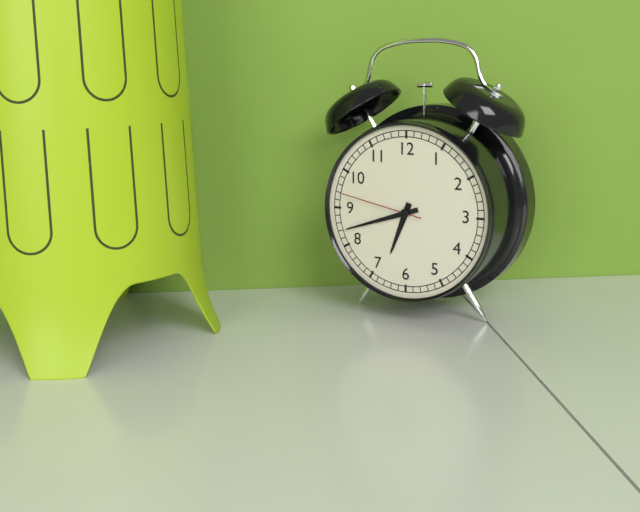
6 h 42 min 47 s
